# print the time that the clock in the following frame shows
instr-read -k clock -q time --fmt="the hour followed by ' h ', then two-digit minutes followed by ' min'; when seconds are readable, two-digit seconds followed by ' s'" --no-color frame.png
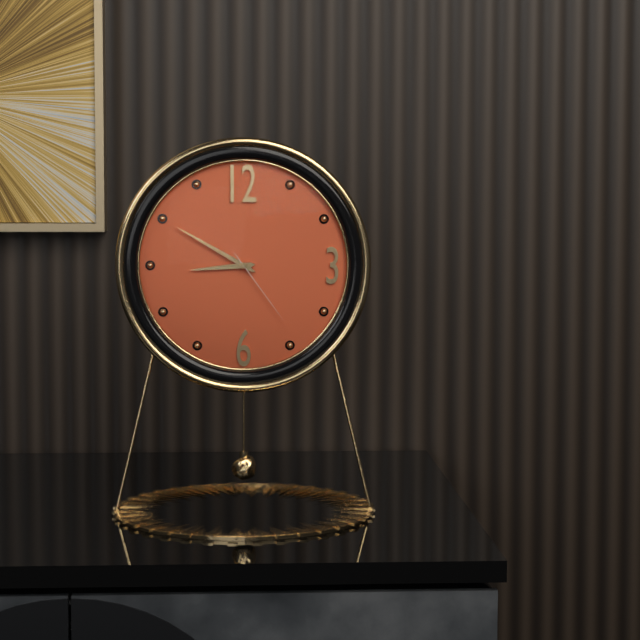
8 h 50 min 24 s
